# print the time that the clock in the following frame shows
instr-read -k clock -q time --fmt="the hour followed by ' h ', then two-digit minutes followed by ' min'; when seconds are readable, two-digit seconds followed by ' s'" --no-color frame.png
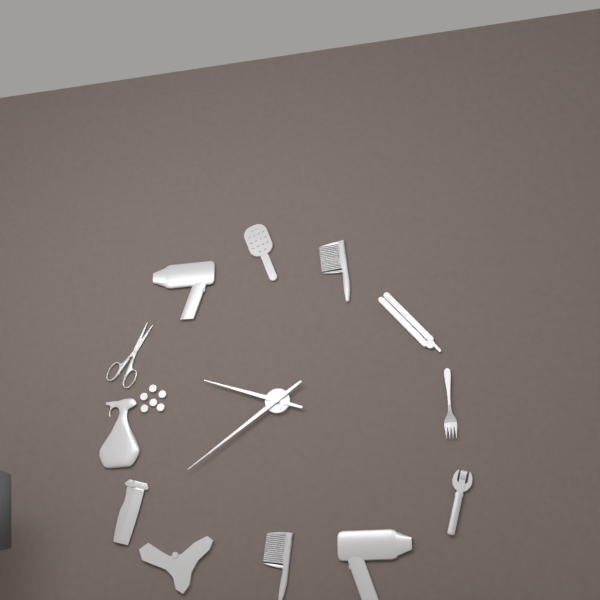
9 h 39 min
